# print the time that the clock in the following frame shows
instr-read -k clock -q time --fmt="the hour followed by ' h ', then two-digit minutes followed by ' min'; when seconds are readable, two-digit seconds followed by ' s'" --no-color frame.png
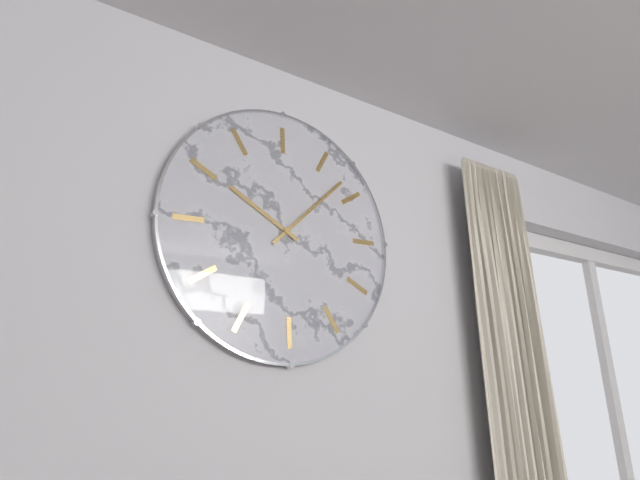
9 h 03 min
